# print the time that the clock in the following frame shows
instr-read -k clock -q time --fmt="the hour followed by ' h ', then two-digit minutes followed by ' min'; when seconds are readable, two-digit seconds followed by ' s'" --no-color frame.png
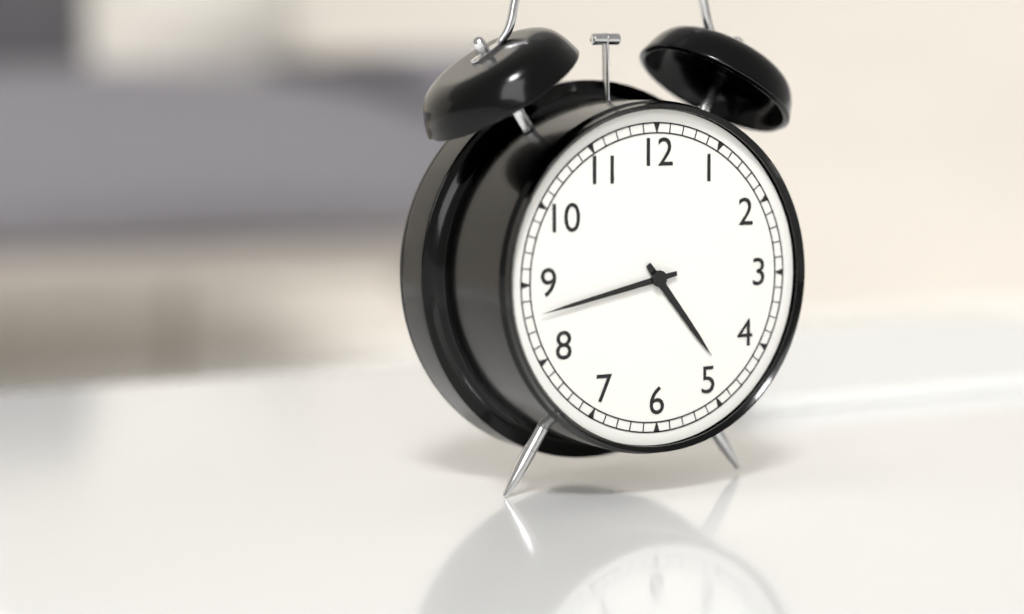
4 h 43 min
